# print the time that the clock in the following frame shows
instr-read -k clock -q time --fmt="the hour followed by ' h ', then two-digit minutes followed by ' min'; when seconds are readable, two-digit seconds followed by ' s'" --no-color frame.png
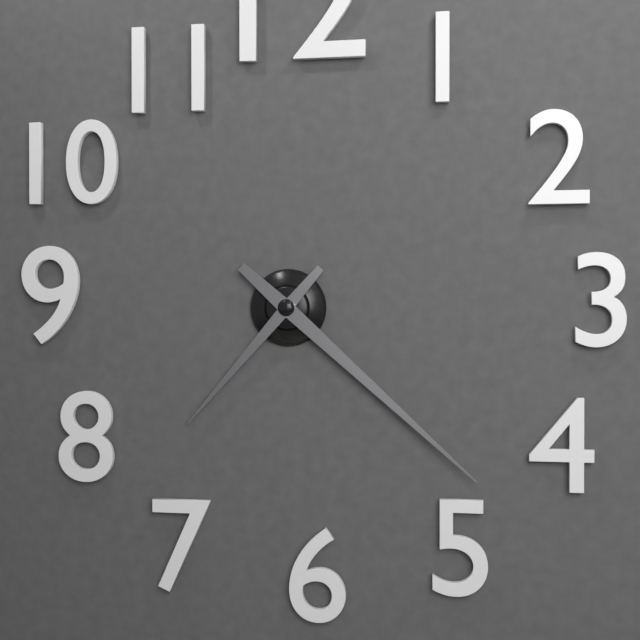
7 h 22 min
